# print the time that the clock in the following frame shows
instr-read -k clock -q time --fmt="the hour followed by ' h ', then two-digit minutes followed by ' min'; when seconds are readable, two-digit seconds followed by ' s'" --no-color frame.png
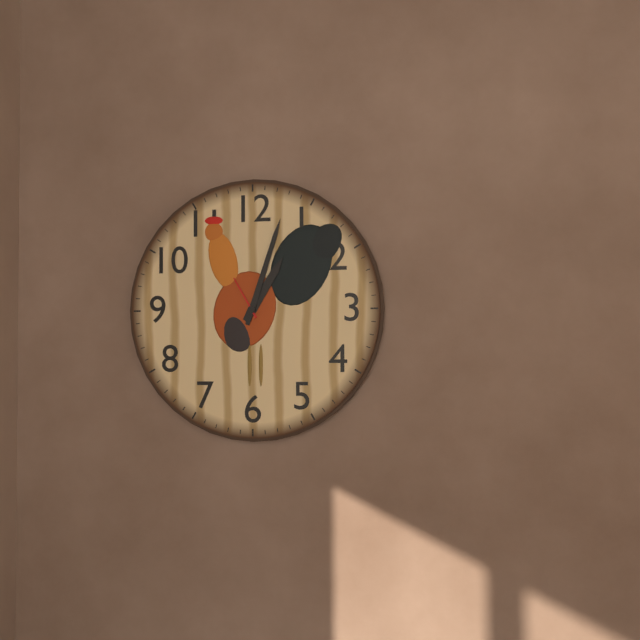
1 h 03 min
